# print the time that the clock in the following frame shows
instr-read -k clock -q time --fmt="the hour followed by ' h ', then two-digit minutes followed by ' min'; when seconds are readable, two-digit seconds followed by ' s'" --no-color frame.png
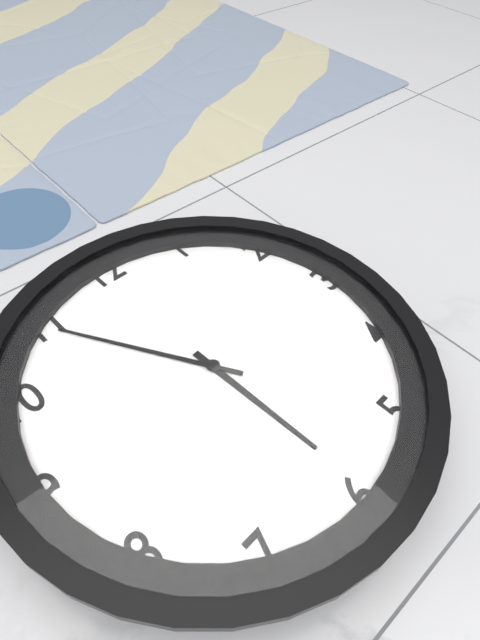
5 h 55 min
